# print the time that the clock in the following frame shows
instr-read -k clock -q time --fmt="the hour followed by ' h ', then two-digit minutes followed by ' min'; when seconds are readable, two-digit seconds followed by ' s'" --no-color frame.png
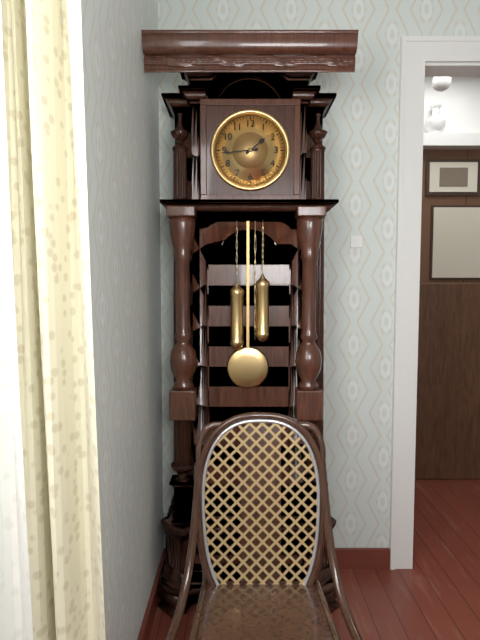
1 h 44 min
